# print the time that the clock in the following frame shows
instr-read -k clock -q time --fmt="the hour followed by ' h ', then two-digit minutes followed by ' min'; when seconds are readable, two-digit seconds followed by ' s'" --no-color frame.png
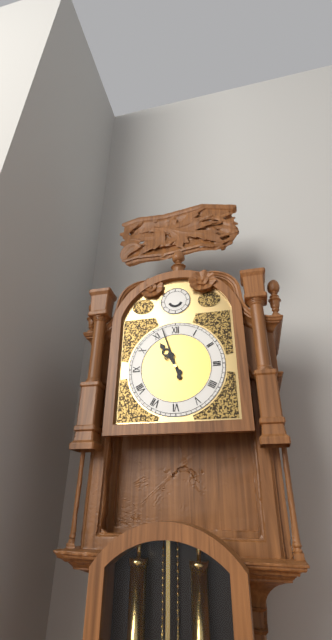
10 h 57 min
